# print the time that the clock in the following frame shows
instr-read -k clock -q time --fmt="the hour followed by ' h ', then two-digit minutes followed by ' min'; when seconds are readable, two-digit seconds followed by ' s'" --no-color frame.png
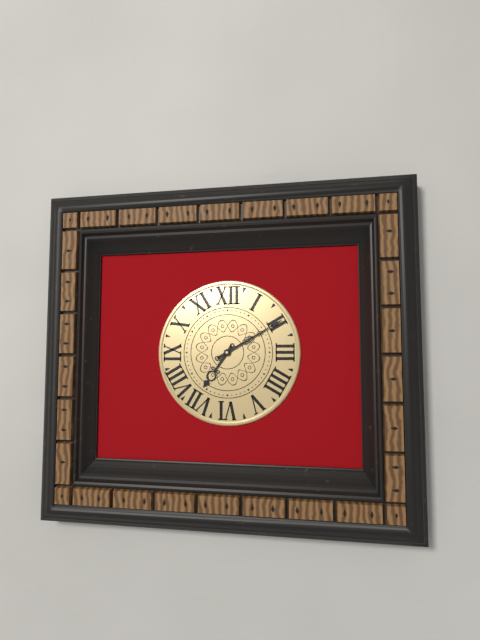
7 h 10 min
